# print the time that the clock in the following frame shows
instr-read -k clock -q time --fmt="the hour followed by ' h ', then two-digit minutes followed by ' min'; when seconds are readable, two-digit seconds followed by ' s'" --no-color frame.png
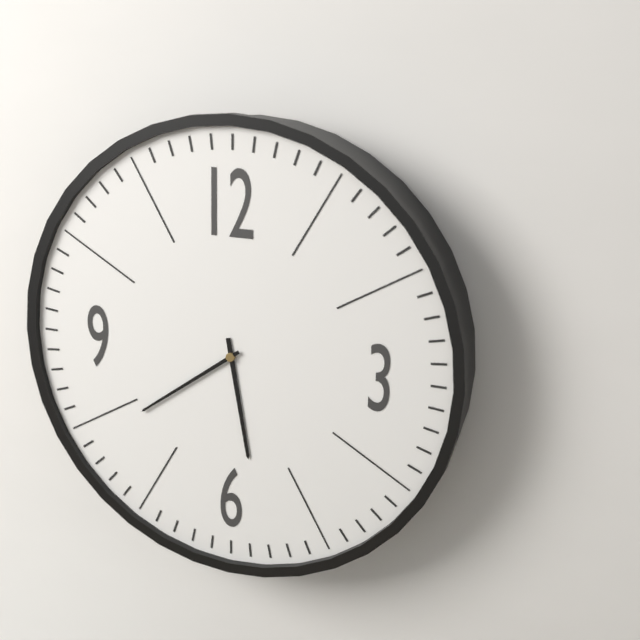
5 h 39 min
